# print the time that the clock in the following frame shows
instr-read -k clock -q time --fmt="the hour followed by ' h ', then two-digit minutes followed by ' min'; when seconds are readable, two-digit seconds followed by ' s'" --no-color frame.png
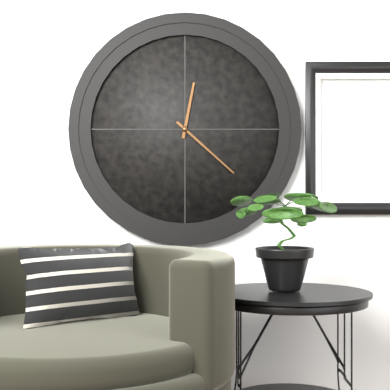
12 h 22 min
